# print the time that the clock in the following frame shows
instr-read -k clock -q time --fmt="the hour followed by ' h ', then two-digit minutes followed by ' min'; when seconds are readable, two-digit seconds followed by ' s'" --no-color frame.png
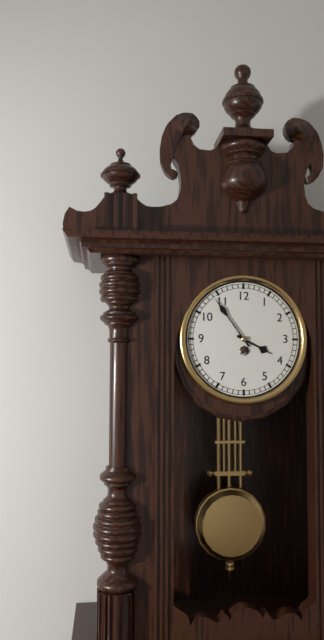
3 h 54 min
